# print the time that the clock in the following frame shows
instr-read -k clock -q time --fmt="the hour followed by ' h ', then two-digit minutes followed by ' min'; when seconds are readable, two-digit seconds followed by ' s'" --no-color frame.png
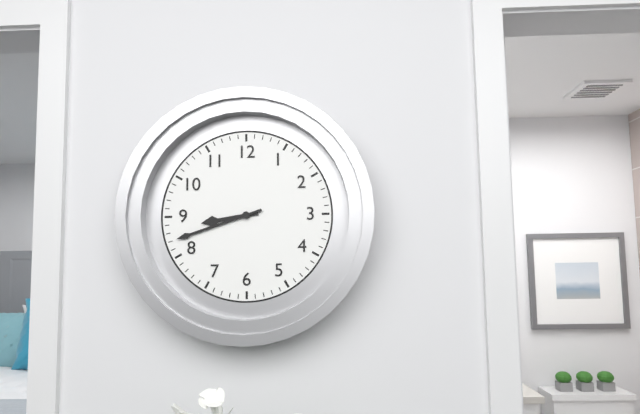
8 h 42 min
